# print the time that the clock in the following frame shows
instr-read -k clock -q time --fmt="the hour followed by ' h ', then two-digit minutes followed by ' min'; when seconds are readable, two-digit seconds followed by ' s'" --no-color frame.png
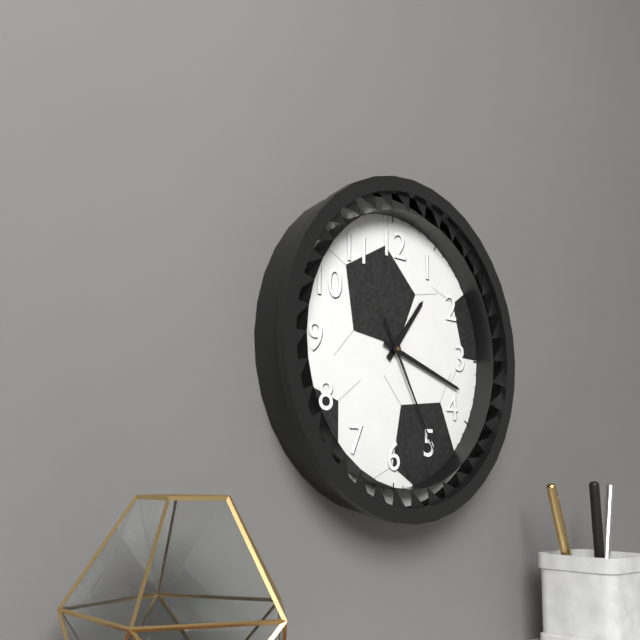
1 h 18 min 25 s
